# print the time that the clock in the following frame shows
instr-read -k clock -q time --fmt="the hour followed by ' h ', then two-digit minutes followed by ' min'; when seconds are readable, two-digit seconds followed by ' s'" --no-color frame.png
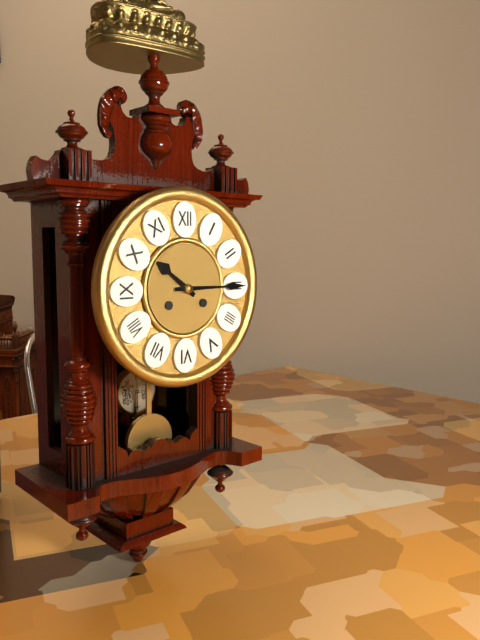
10 h 15 min
